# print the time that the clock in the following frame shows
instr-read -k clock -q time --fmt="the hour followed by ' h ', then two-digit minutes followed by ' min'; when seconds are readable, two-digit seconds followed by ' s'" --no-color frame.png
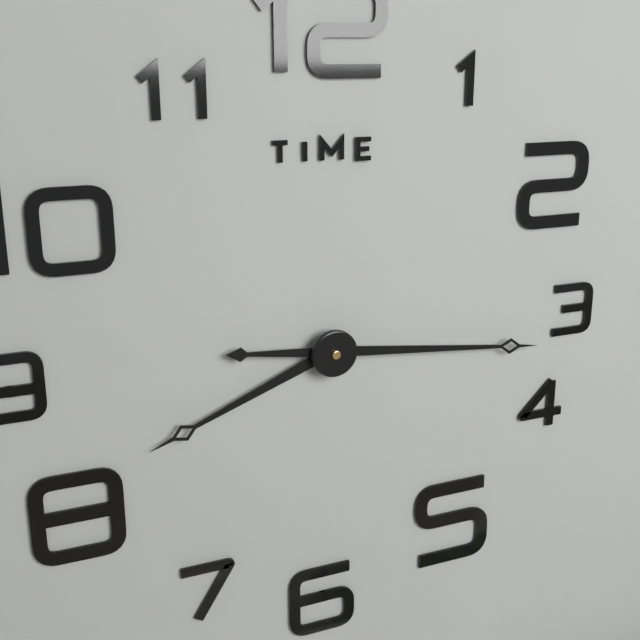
8 h 16 min
